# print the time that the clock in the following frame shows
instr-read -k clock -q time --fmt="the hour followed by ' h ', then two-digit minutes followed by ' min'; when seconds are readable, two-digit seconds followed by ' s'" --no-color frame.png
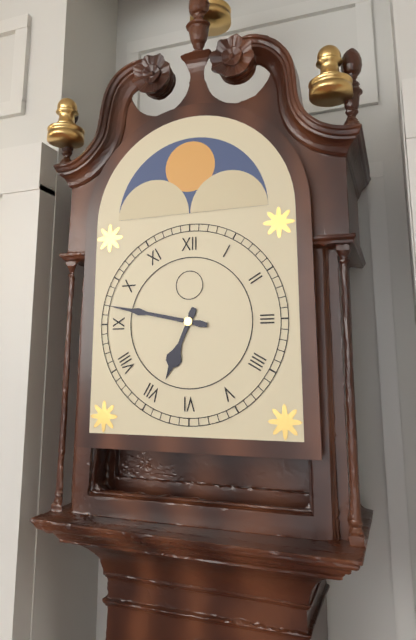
6 h 47 min
